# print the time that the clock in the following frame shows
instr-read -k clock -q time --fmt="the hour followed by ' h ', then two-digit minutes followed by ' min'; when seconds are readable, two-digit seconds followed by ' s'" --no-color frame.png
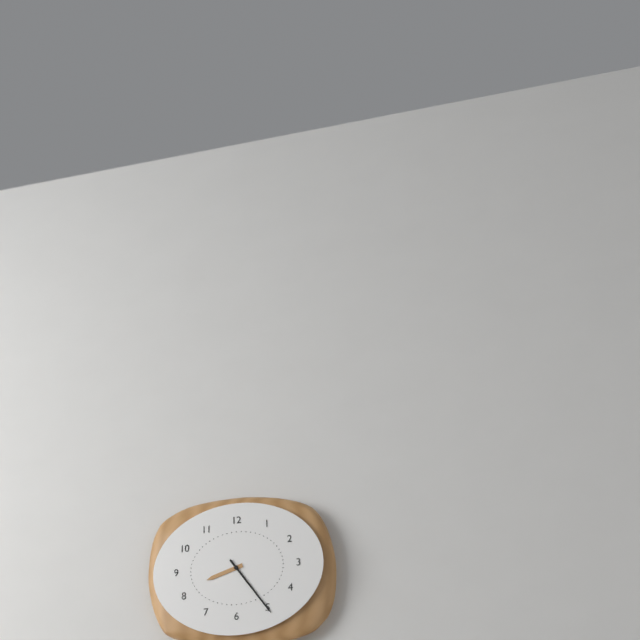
8 h 24 min
